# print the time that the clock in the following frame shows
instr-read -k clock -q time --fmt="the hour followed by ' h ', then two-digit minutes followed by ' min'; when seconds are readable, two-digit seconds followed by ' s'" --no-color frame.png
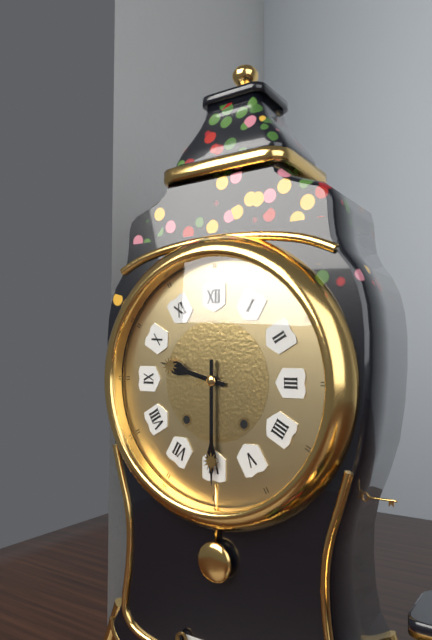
9 h 30 min
